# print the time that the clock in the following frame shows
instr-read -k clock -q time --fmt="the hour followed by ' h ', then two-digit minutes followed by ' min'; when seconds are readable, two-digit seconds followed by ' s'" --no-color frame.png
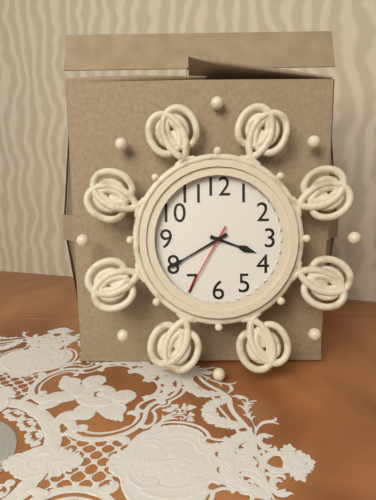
3 h 40 min 35 s
